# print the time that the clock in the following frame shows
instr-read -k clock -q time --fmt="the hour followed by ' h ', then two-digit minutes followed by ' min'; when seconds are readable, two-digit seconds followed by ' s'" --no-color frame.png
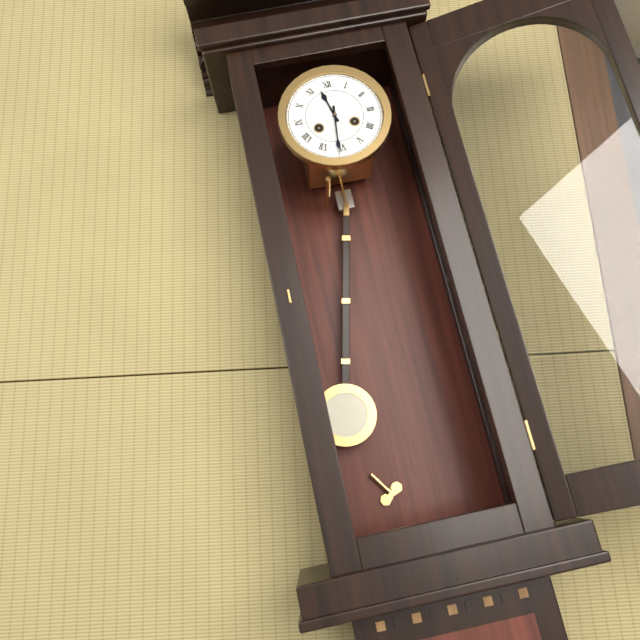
11 h 31 min
